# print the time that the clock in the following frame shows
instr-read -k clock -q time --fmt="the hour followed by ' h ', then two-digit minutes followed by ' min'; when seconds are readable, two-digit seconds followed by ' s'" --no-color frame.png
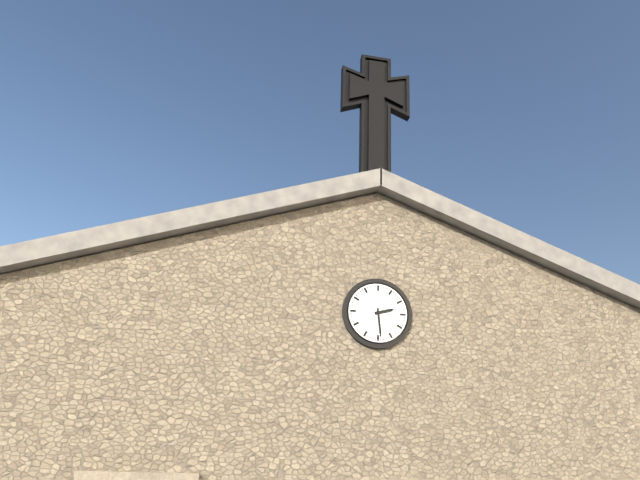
2 h 29 min
